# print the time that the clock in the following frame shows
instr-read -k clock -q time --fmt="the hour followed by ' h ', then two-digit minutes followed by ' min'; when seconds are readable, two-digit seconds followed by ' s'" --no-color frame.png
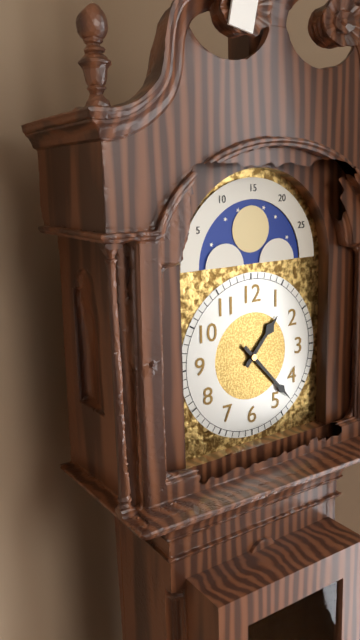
1 h 23 min
